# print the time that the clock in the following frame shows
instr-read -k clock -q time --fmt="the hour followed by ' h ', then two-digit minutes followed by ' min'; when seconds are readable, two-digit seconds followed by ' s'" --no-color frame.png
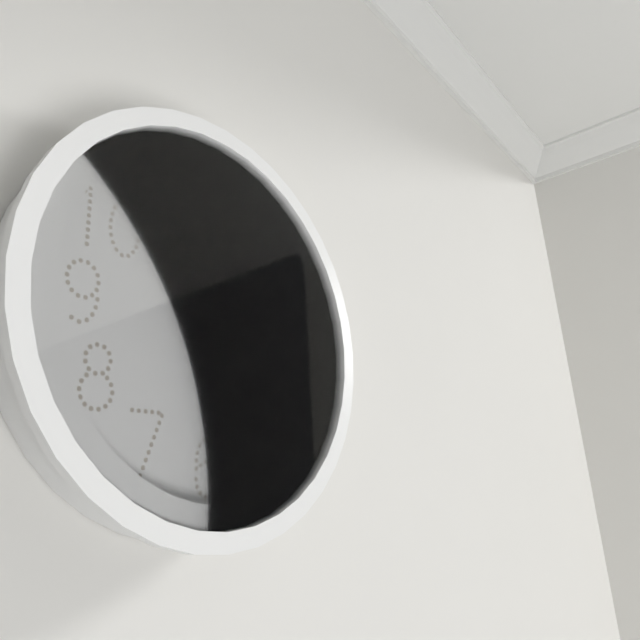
6 h 03 min
